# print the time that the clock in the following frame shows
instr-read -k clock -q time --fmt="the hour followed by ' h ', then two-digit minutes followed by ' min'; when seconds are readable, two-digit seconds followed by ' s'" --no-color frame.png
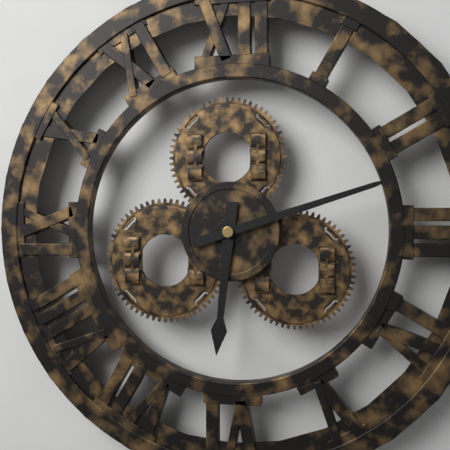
6 h 12 min
